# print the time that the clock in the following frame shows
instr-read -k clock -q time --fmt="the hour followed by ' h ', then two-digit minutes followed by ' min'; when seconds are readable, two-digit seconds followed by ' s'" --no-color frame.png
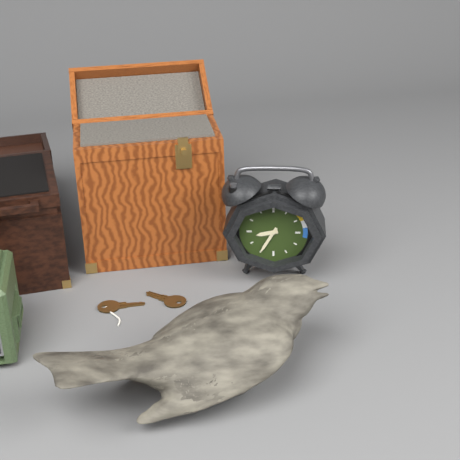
8 h 35 min
